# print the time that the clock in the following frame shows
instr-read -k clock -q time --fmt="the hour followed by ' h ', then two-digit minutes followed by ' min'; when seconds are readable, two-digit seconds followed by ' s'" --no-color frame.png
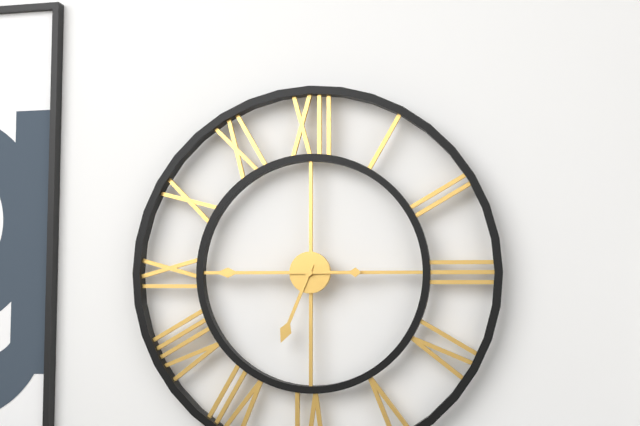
6 h 45 min
